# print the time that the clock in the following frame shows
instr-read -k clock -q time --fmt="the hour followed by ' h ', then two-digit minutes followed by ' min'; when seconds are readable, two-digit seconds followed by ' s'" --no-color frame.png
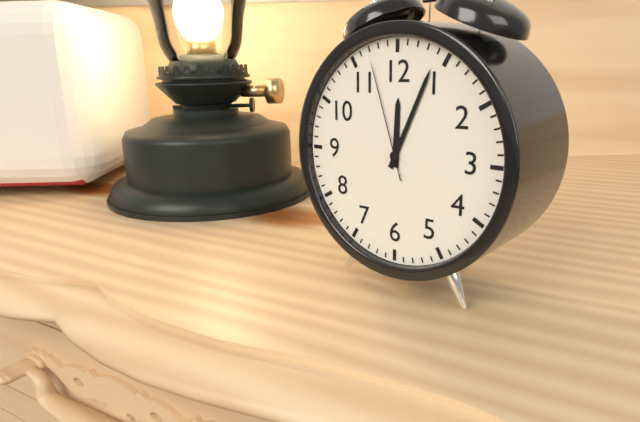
12 h 04 min 57 s
